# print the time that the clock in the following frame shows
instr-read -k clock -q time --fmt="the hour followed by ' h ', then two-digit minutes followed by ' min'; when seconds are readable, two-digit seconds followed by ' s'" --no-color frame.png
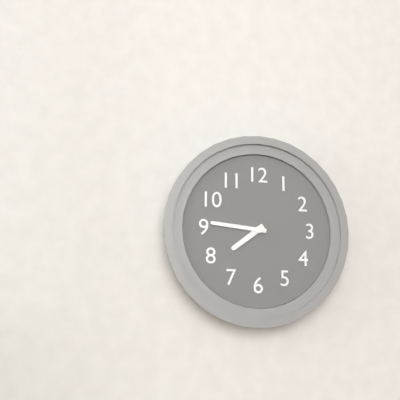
7 h 46 min
